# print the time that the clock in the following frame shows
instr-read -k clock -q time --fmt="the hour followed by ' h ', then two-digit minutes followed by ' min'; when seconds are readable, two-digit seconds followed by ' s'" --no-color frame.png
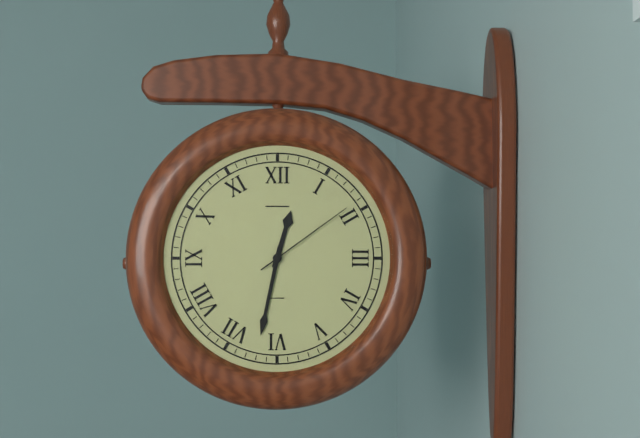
12 h 32 min 09 s
